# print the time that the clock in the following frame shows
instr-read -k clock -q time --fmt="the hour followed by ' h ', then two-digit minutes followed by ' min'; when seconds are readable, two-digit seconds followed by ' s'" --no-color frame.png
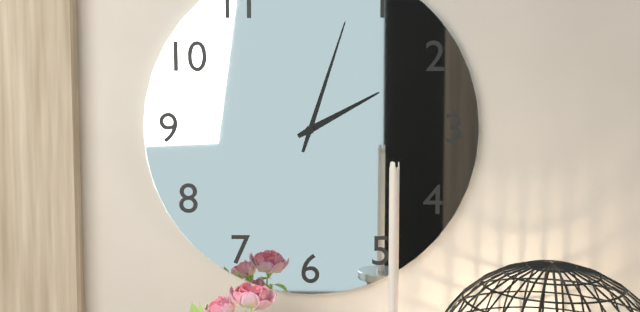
2 h 03 min
